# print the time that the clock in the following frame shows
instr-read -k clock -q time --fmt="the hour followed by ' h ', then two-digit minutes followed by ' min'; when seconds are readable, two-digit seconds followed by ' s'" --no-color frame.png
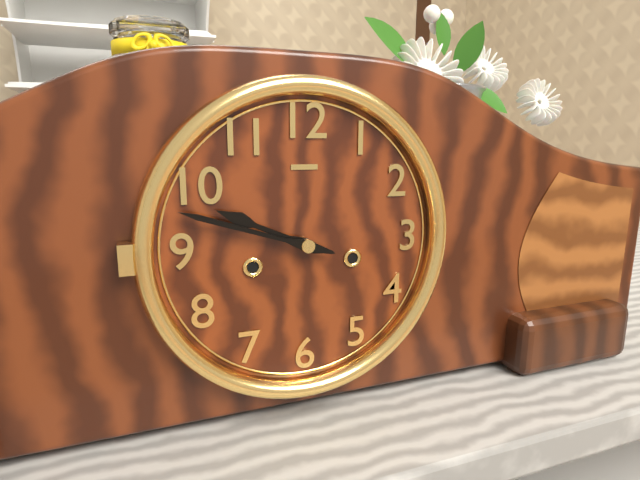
9 h 48 min
